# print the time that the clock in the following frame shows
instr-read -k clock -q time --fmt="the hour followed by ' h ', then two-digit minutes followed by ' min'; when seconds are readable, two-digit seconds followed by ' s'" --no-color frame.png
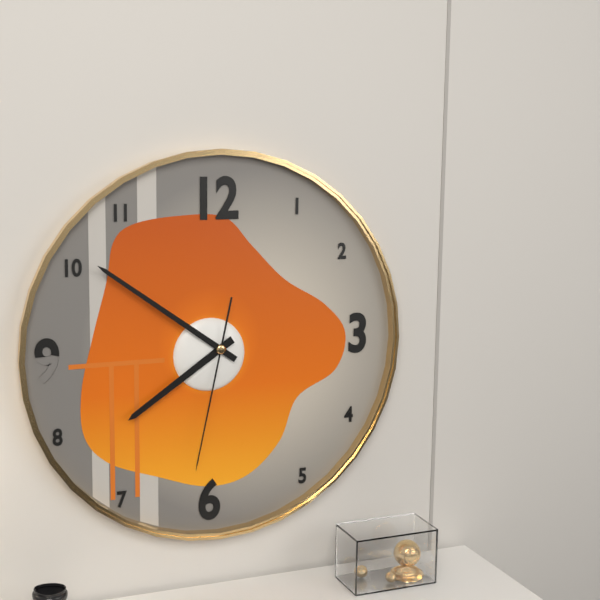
7 h 51 min 32 s
